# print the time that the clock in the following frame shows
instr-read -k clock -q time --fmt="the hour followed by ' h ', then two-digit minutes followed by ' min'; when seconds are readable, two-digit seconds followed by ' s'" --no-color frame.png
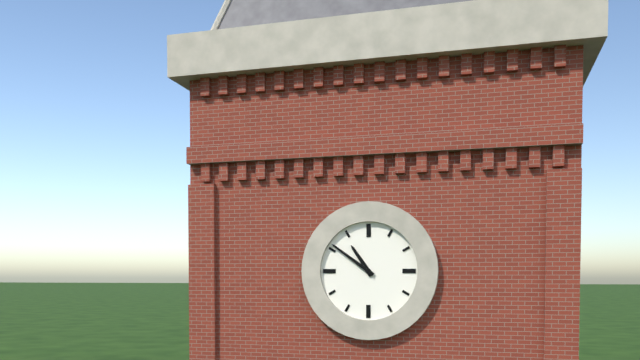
10 h 51 min
